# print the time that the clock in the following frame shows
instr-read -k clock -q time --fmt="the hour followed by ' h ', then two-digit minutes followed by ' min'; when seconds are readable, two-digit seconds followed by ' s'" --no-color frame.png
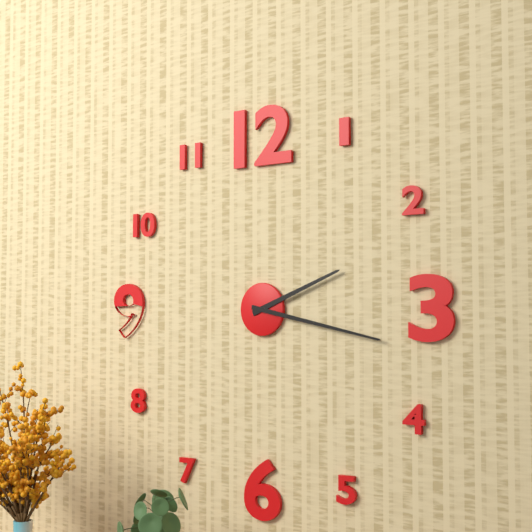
2 h 17 min
